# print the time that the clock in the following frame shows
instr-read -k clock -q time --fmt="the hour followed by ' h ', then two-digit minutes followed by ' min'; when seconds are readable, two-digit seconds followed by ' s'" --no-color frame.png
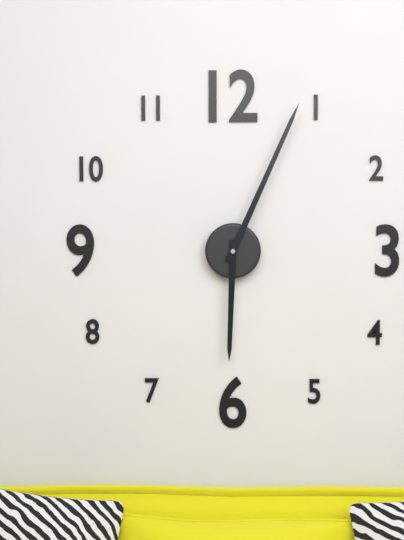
6 h 04 min
